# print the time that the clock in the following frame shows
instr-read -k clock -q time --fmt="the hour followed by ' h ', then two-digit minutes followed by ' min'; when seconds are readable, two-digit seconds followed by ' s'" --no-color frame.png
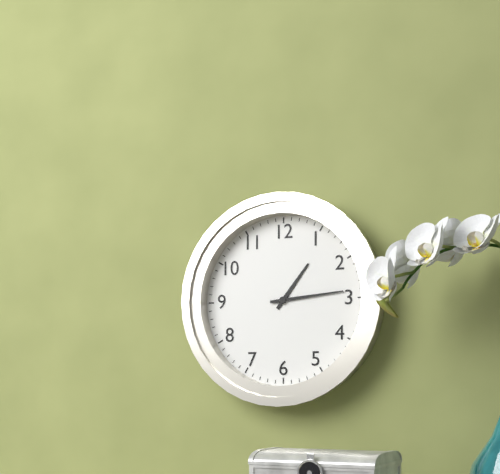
1 h 14 min
